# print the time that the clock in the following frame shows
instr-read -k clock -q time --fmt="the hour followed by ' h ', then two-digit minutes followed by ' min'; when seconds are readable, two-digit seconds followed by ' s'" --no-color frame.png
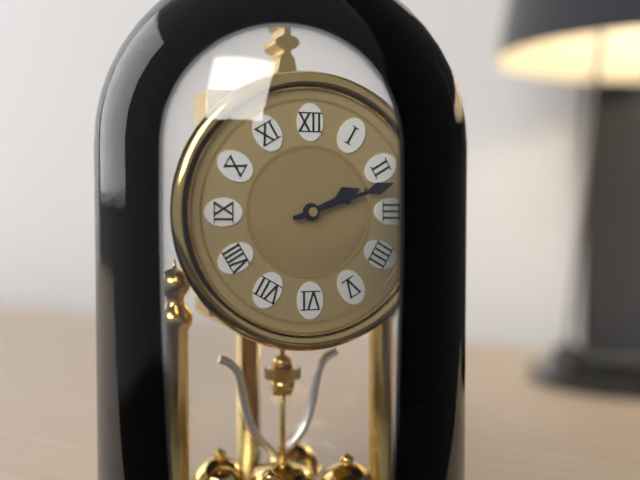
2 h 12 min
